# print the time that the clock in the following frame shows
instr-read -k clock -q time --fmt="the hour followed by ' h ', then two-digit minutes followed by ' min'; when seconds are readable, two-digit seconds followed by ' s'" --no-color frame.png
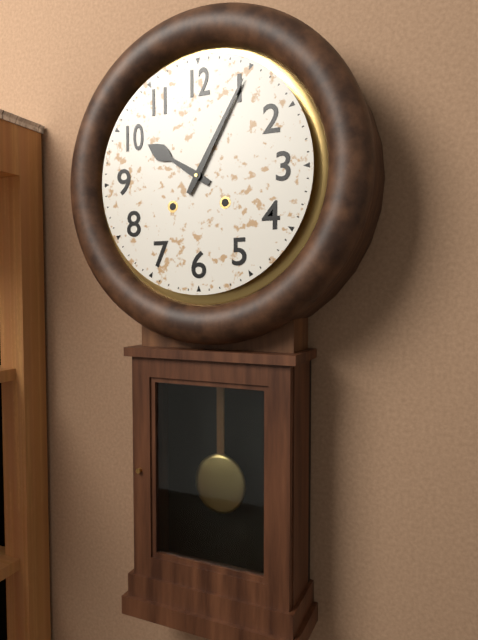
10 h 05 min
